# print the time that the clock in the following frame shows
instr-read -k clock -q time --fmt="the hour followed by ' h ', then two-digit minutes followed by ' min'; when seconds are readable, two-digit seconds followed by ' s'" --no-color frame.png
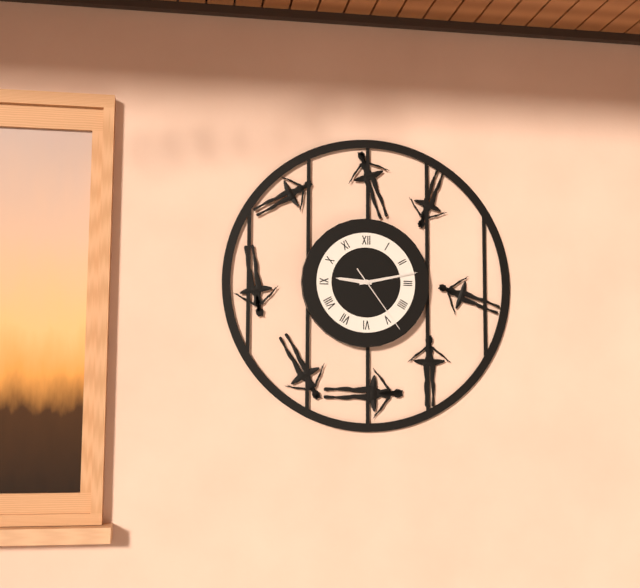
9 h 13 min 24 s
